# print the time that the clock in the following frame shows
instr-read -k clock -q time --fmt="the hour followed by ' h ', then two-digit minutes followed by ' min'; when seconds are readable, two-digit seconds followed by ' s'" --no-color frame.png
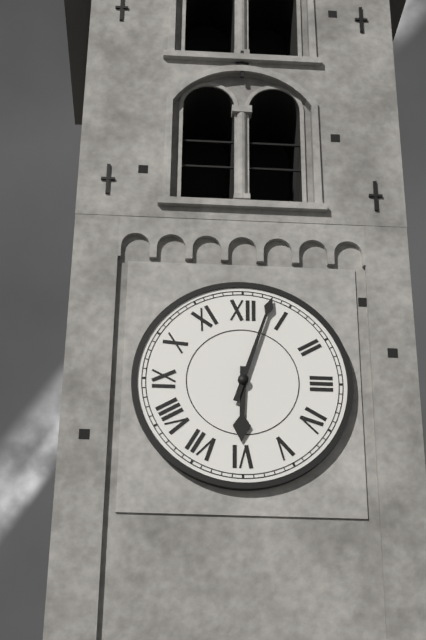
6 h 03 min
